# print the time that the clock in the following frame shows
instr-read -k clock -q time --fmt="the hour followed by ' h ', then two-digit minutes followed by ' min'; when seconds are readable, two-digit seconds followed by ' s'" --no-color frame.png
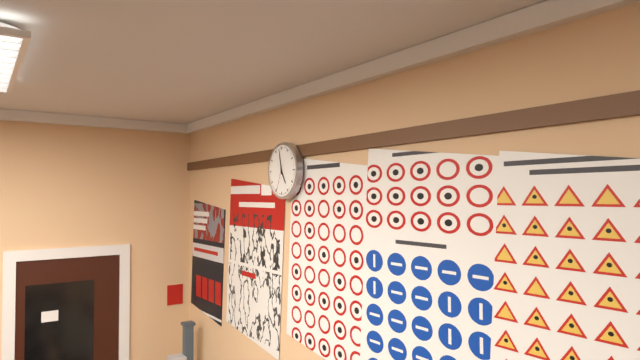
4 h 58 min
